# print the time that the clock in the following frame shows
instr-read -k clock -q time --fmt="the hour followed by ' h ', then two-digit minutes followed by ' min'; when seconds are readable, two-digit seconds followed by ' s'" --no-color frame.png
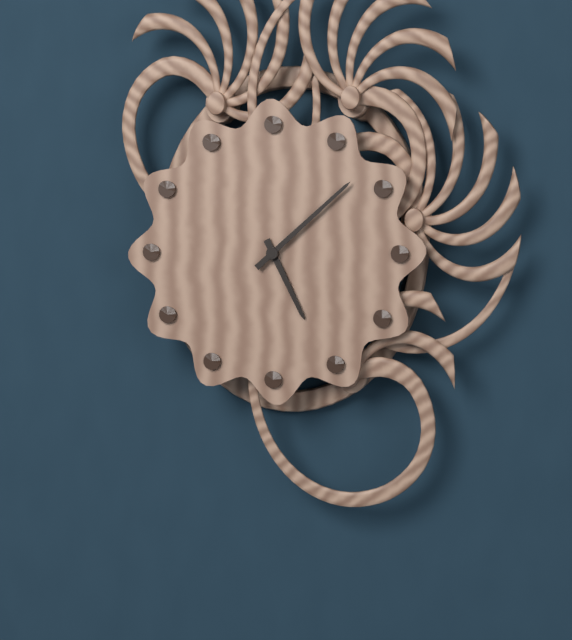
5 h 08 min
